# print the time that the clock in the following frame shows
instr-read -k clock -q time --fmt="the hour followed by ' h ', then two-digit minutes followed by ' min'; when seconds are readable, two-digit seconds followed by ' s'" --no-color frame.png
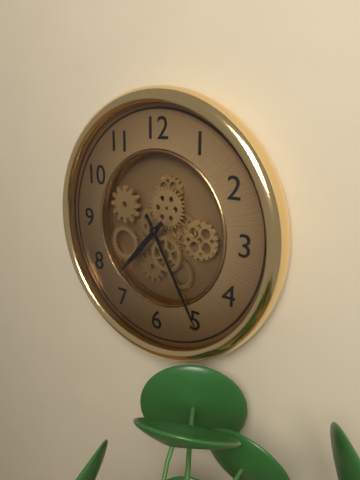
7 h 25 min
